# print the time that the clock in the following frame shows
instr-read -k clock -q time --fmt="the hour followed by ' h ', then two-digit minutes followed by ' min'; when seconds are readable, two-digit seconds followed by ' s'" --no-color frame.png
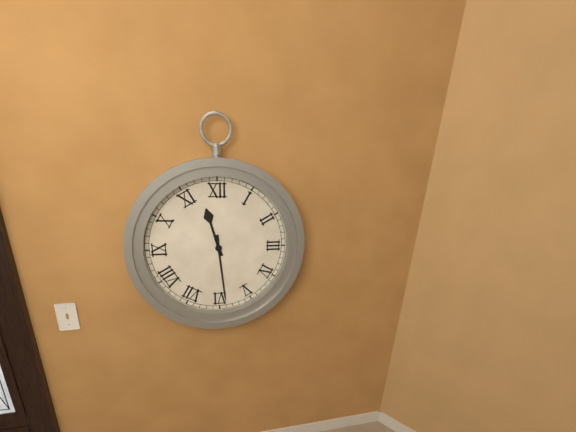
11 h 29 min
